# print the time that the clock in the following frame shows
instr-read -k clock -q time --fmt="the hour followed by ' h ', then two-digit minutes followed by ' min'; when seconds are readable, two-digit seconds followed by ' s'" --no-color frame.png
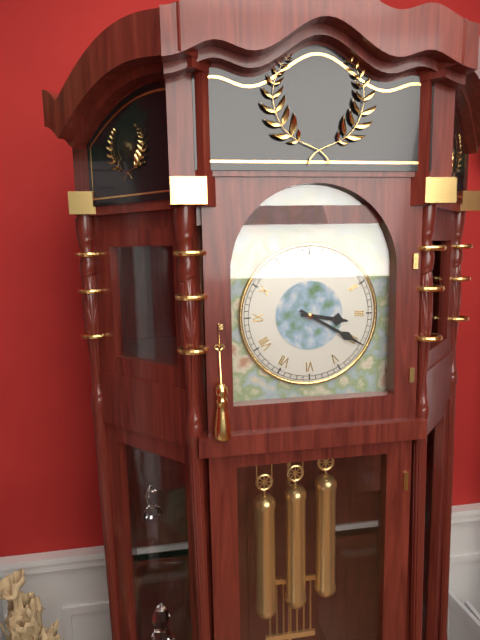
3 h 20 min
